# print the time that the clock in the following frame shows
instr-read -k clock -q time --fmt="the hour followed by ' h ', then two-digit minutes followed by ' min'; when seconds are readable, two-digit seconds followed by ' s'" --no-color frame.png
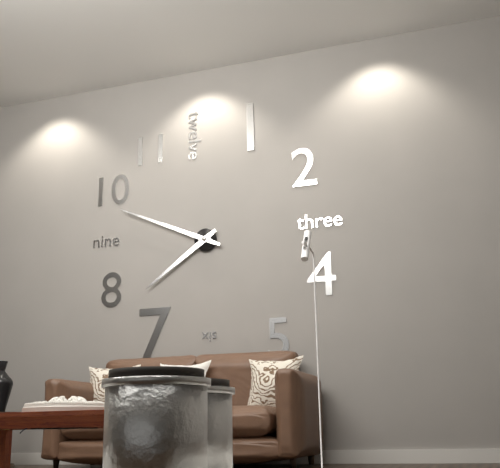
7 h 49 min
